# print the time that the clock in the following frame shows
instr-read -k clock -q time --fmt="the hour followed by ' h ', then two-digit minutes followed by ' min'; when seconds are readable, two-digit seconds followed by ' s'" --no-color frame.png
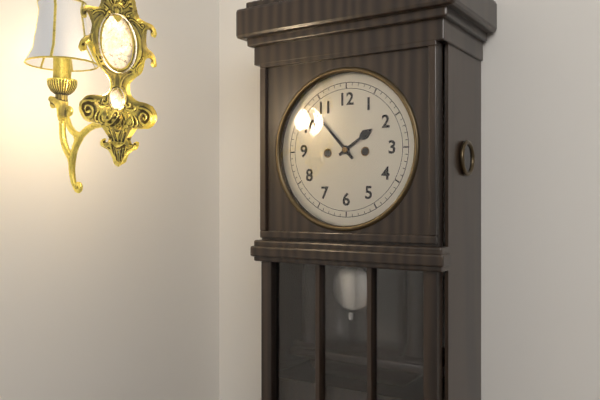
1 h 53 min
